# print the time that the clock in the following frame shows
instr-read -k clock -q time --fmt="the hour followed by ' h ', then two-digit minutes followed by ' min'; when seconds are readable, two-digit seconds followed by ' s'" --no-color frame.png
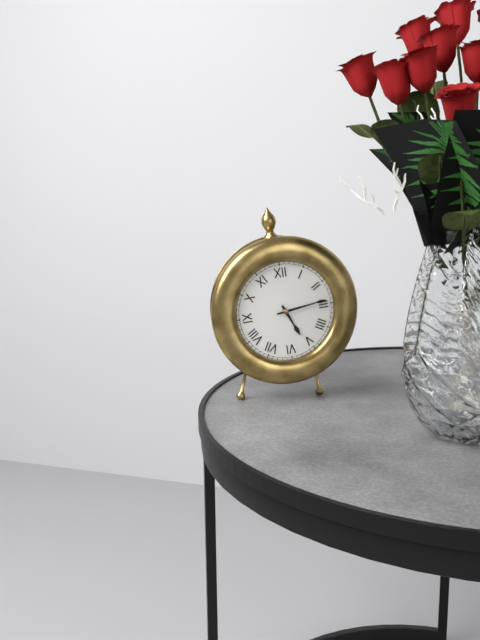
5 h 14 min
